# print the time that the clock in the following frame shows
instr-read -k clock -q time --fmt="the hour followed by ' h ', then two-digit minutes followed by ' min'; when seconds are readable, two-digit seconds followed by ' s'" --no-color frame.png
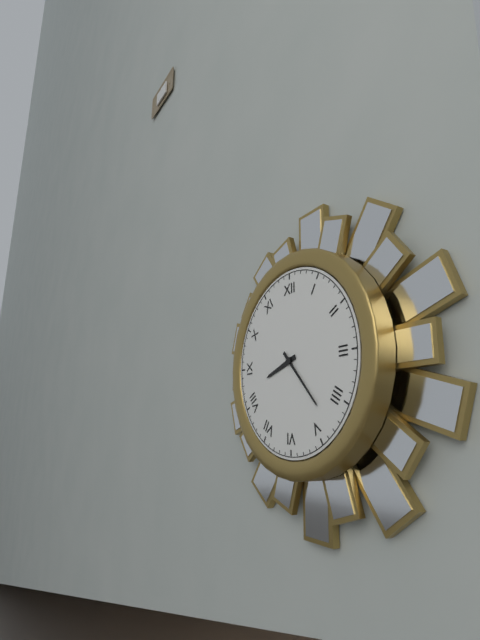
8 h 23 min
